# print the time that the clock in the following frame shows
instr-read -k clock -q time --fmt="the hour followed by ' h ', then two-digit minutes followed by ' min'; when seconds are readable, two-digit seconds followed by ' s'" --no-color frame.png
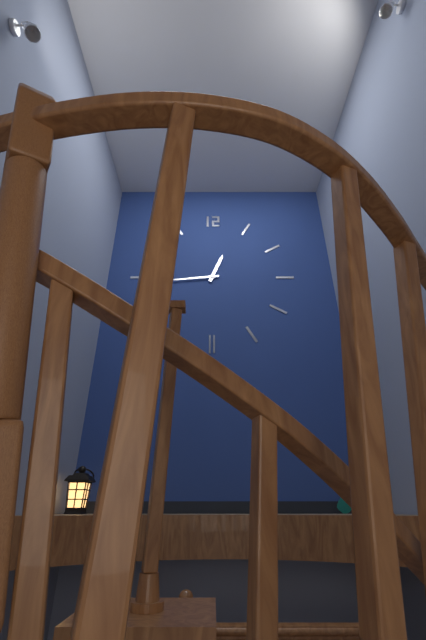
12 h 44 min
